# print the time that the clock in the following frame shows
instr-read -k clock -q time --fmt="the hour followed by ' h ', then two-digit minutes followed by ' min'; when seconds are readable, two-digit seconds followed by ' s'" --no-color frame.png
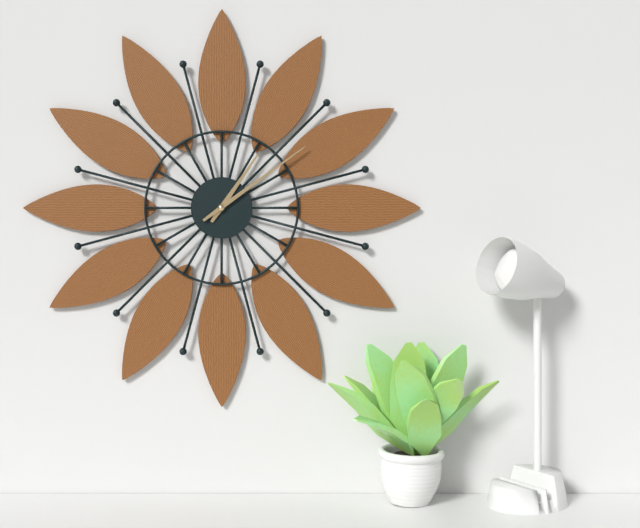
1 h 09 min
